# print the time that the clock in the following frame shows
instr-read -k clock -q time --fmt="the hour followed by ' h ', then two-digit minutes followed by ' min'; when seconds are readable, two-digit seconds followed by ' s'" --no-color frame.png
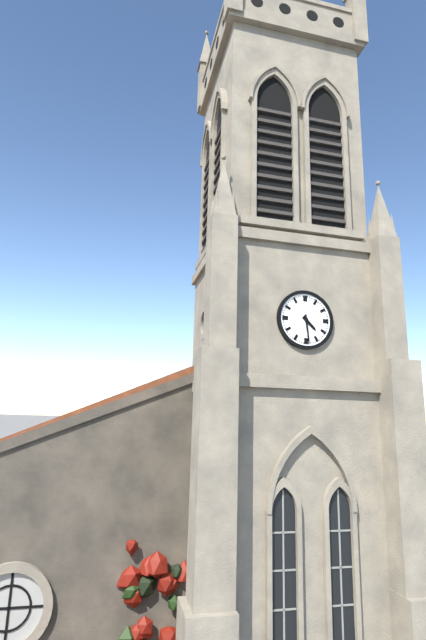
4 h 29 min
